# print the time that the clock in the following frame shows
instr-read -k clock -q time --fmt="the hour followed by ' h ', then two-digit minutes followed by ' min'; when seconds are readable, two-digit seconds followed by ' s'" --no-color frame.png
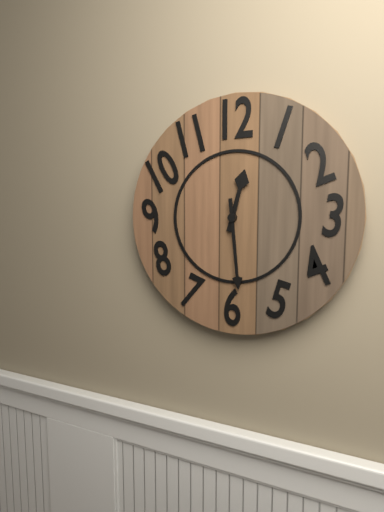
12 h 29 min
